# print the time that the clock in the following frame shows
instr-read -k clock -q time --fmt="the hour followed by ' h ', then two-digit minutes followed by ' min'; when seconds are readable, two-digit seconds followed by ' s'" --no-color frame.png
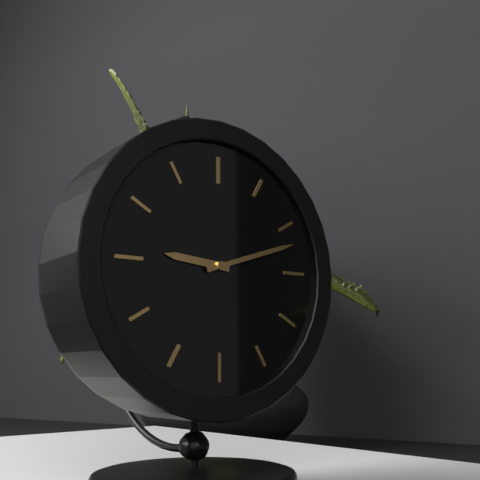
9 h 12 min
